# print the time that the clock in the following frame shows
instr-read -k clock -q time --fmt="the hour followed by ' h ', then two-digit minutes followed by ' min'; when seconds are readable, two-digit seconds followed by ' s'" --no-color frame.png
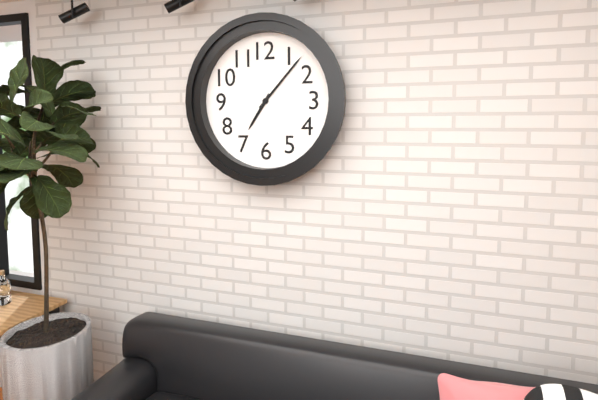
7 h 07 min
